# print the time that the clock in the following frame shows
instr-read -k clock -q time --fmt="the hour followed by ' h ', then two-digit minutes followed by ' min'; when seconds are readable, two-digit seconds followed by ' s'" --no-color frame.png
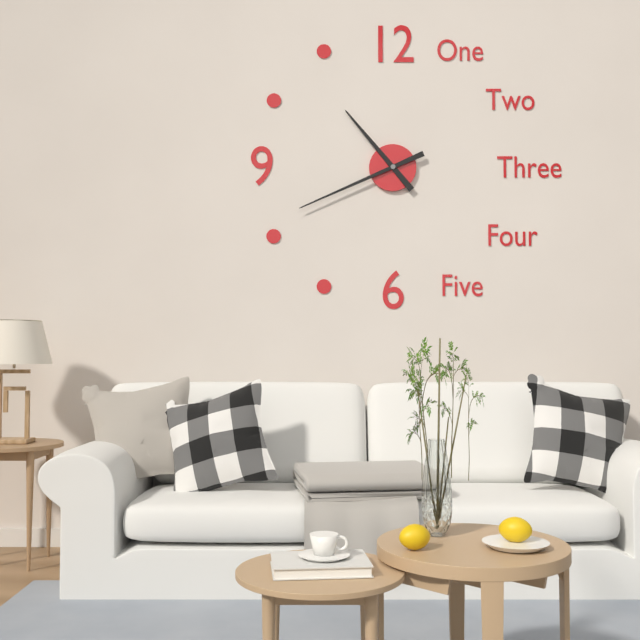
10 h 41 min
